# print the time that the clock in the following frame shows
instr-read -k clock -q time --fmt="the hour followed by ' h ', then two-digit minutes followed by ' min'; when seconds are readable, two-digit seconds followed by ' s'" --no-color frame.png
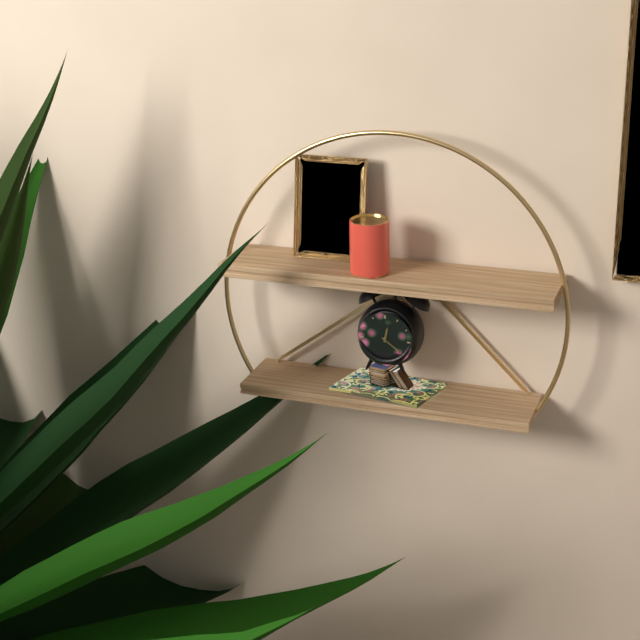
12 h 21 min
